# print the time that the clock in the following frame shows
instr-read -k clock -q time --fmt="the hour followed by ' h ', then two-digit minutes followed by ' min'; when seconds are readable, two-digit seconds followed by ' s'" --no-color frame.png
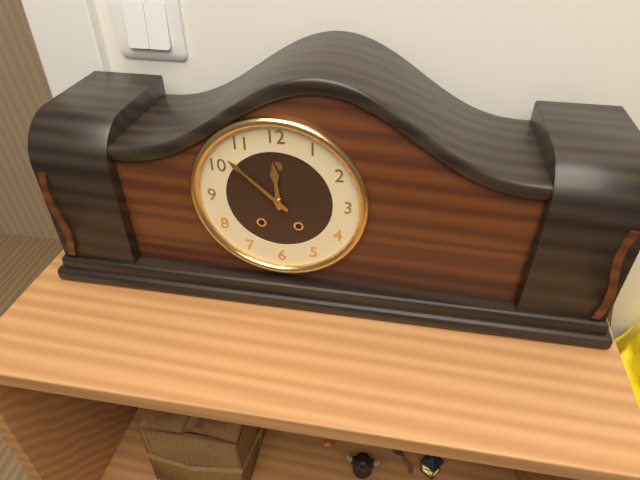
11 h 52 min
